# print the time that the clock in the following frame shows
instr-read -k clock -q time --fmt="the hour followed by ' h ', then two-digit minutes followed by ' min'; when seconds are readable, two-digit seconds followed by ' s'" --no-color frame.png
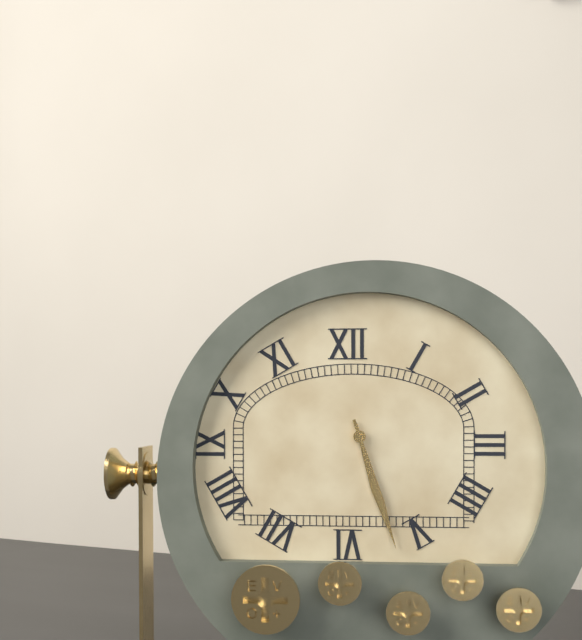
5 h 27 min
